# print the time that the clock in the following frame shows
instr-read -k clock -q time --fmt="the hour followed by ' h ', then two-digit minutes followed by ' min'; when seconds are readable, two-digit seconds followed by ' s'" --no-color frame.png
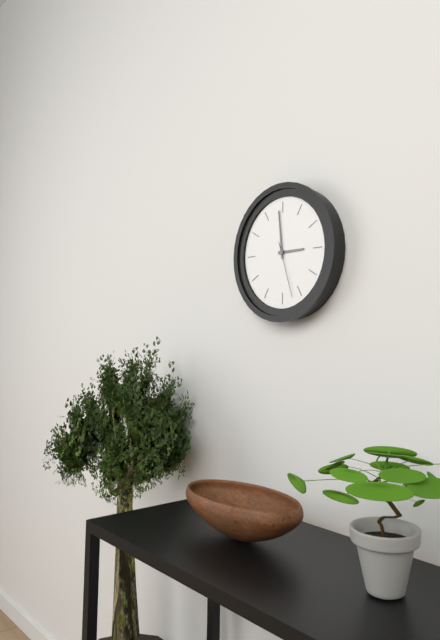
2 h 59 min 27 s
